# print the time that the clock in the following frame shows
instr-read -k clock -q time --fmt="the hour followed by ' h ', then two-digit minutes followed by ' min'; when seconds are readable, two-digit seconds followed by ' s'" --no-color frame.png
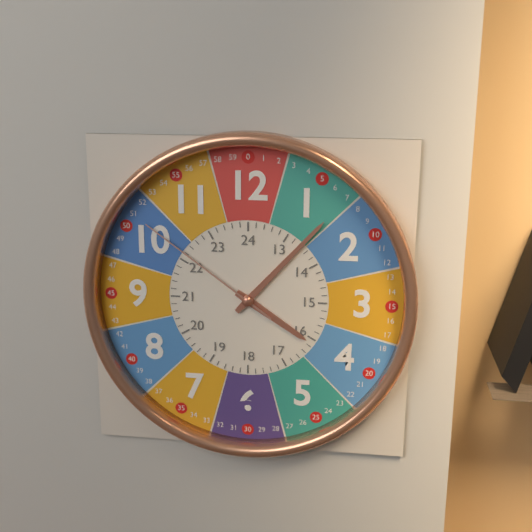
4 h 07 min 51 s
